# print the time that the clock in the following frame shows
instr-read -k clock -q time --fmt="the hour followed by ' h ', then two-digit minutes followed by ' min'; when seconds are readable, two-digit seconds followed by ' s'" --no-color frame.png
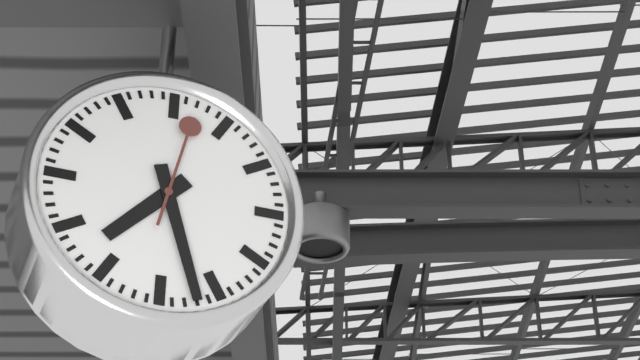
7 h 27 min 02 s
